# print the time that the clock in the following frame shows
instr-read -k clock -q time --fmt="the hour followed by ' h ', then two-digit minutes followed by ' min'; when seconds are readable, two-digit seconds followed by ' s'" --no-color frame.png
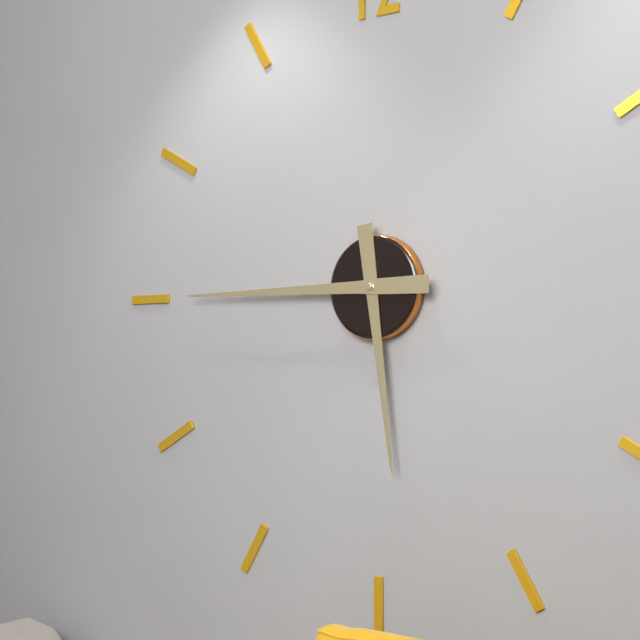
5 h 45 min
